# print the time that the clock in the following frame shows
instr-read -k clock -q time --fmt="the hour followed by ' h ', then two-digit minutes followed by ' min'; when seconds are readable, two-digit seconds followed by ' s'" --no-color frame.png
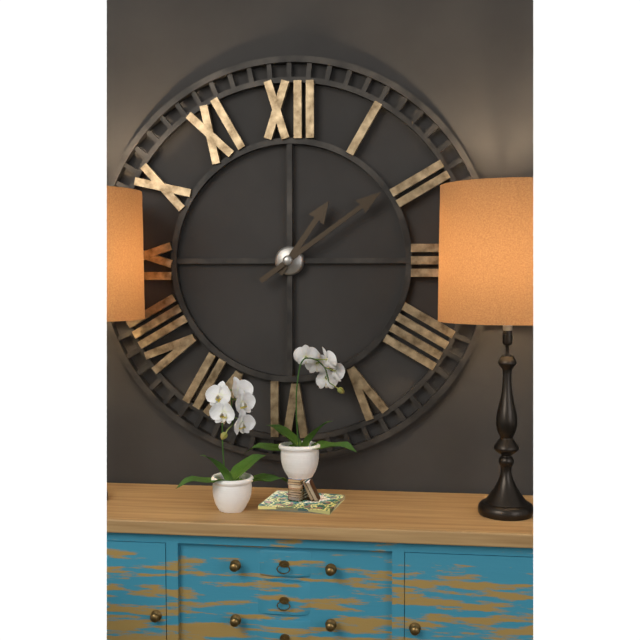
1 h 09 min
